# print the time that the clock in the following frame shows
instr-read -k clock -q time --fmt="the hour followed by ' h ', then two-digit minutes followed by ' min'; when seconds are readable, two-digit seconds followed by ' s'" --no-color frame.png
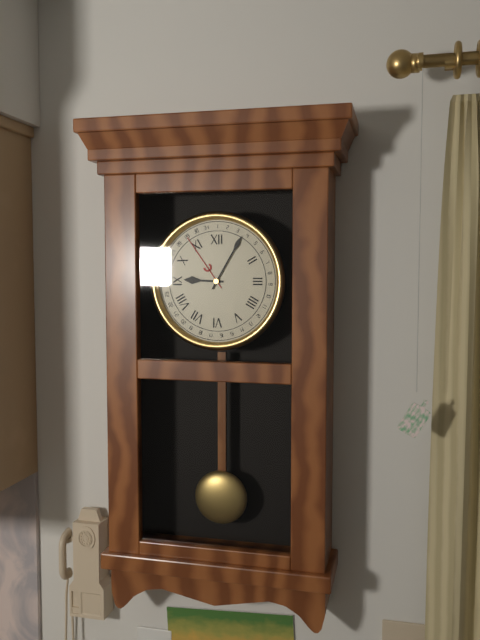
9 h 05 min
